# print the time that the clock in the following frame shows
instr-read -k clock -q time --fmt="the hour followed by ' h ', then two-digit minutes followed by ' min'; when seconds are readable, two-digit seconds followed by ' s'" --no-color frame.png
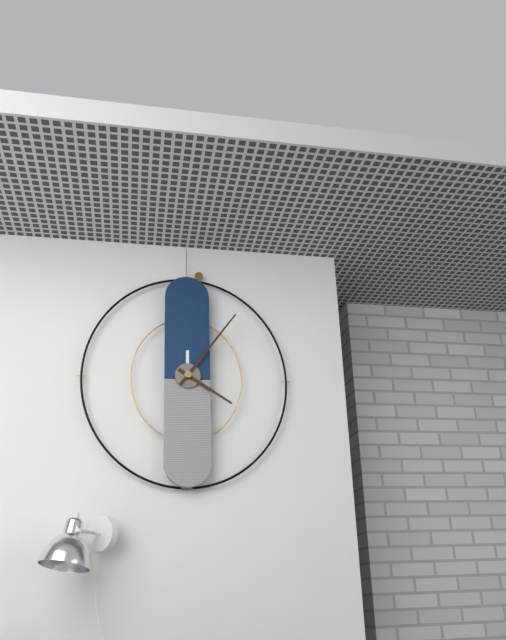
4 h 06 min
